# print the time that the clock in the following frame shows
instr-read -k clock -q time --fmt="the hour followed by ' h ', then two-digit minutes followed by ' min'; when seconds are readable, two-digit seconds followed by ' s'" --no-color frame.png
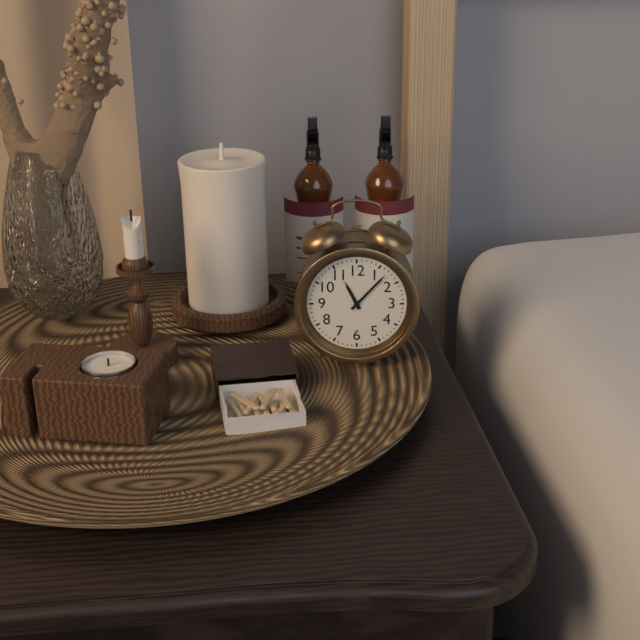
11 h 07 min
